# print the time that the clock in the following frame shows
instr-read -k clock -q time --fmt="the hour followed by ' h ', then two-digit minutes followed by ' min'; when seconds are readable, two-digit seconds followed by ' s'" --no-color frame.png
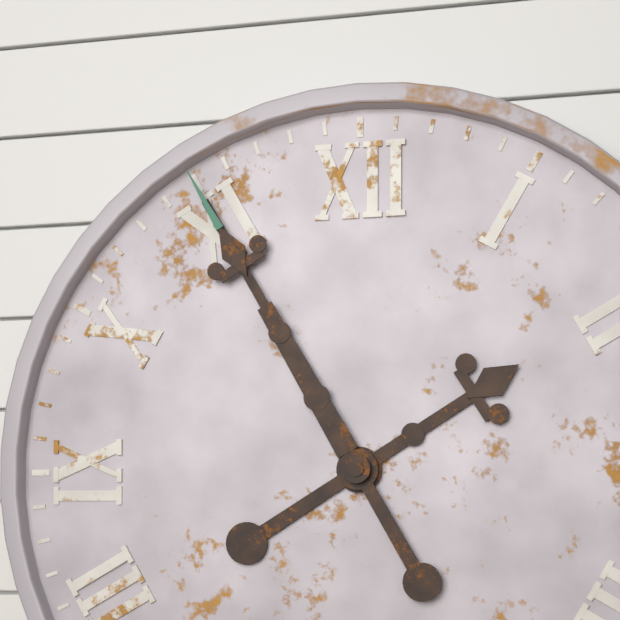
1 h 55 min
